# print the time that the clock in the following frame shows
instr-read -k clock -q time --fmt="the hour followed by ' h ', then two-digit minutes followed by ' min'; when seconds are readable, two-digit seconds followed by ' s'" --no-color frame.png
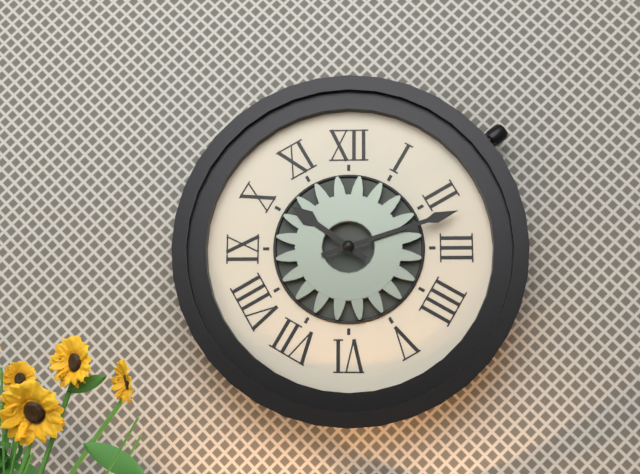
10 h 12 min
